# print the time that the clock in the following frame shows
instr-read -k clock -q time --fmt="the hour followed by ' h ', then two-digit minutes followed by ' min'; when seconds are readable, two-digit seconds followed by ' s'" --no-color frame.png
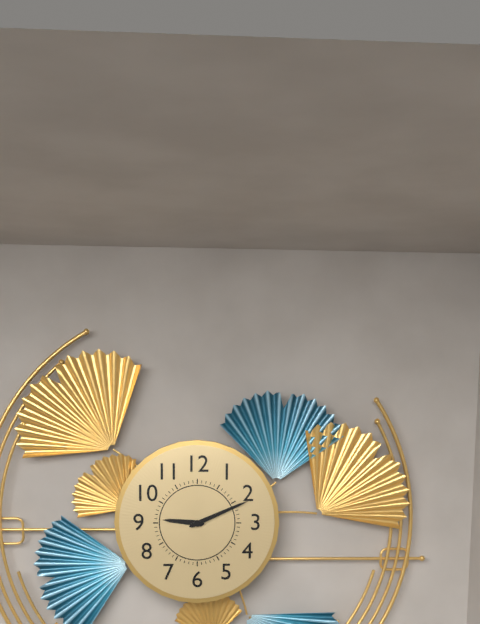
9 h 11 min
